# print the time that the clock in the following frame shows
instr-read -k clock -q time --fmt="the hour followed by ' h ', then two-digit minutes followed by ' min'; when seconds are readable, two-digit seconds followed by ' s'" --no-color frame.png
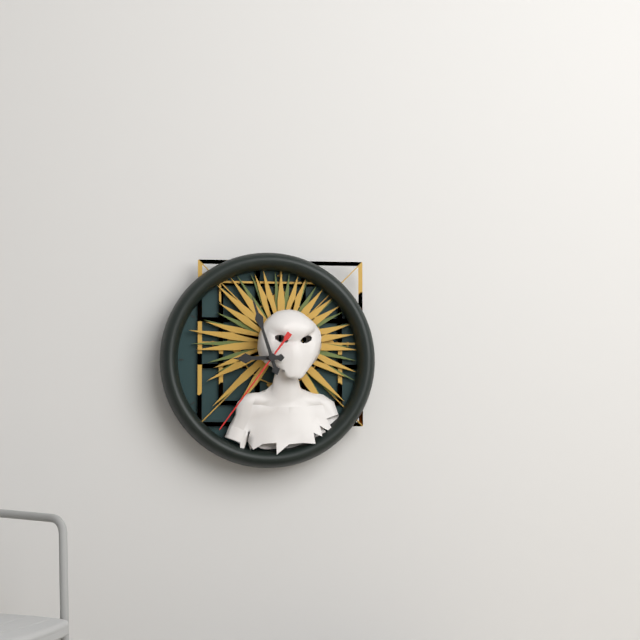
8 h 57 min 36 s
